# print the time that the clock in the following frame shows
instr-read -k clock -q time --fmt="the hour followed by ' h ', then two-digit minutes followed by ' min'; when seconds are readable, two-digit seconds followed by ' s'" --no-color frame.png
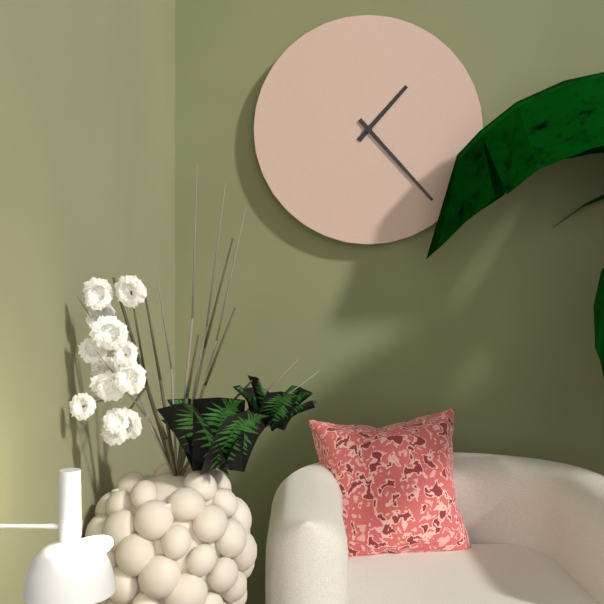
1 h 23 min
